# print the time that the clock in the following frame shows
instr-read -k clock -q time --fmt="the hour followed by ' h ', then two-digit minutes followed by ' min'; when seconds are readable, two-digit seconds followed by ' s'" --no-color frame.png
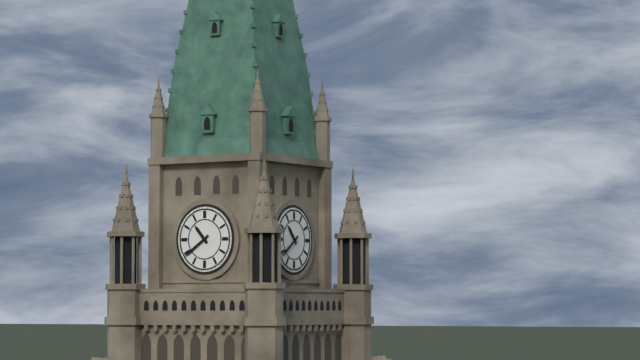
10 h 39 min
